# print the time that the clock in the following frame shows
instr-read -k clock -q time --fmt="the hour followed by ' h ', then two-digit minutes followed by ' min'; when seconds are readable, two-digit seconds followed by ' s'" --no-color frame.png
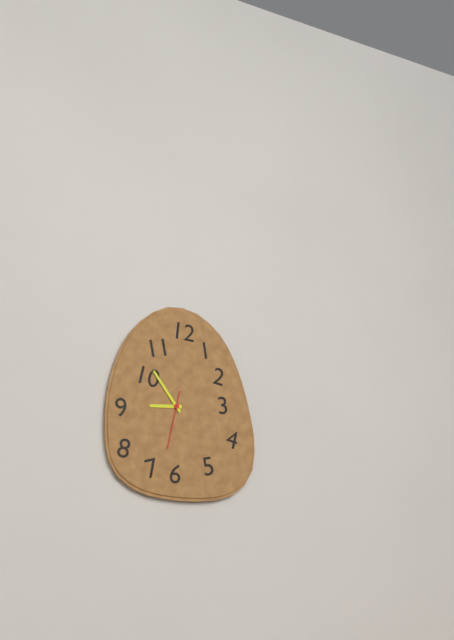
8 h 54 min 32 s
